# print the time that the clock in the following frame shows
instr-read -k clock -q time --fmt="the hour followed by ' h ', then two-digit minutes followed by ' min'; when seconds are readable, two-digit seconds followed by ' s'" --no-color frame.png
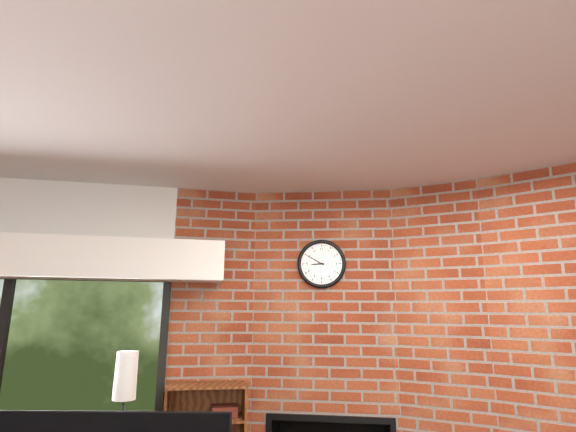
8 h 50 min
